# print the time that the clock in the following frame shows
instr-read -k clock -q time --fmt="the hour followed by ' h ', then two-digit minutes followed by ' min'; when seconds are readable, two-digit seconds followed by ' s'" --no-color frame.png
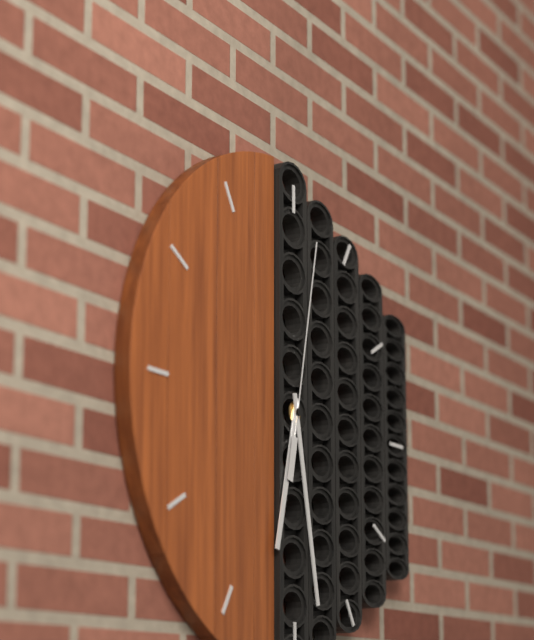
6 h 28 min 02 s
